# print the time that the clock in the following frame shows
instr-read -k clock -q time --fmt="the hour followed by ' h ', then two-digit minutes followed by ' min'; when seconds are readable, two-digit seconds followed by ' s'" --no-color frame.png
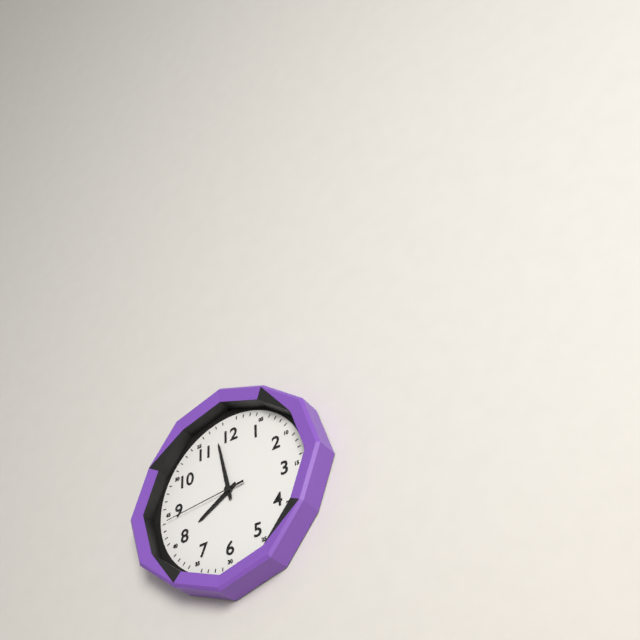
7 h 58 min 44 s
